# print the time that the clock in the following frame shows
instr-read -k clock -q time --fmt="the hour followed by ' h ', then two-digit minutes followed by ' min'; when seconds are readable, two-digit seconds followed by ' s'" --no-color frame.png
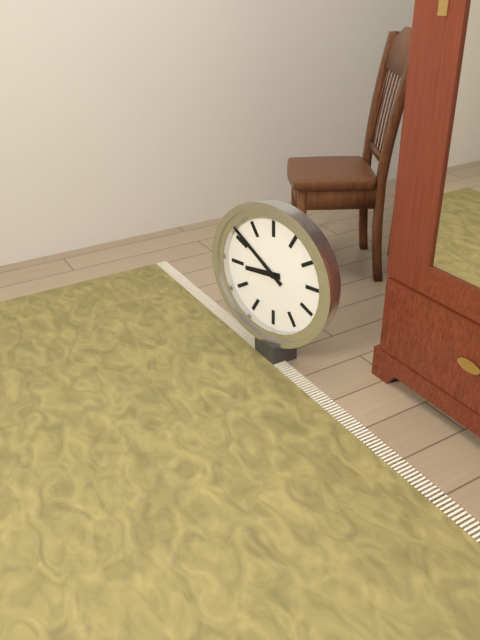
8 h 51 min
